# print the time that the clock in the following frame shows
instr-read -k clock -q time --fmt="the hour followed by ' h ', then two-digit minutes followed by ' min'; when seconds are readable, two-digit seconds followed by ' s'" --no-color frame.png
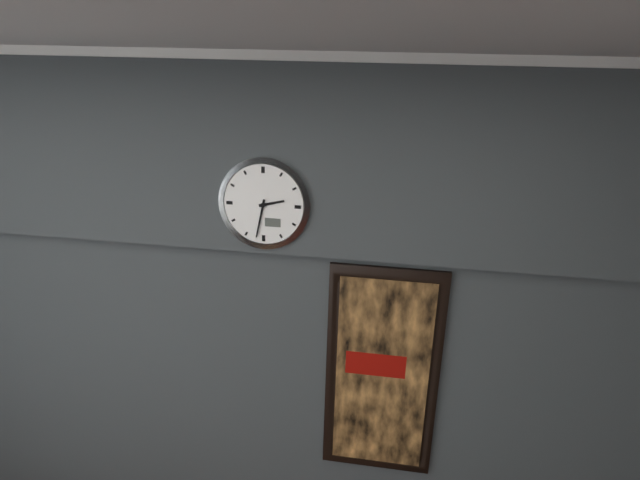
2 h 32 min
